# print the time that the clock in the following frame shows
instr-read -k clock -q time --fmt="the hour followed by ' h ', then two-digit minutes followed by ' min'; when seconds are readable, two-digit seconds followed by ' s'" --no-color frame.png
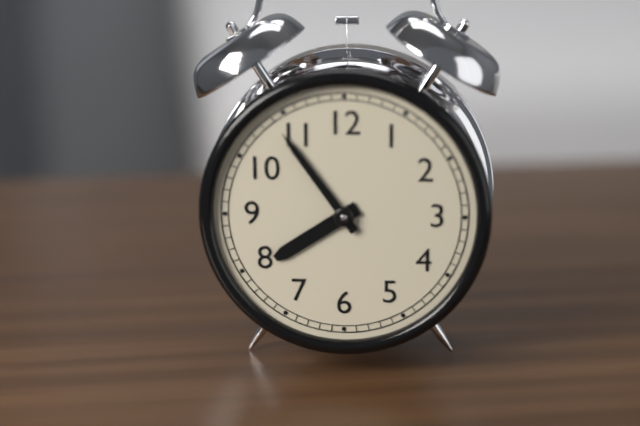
7 h 54 min
